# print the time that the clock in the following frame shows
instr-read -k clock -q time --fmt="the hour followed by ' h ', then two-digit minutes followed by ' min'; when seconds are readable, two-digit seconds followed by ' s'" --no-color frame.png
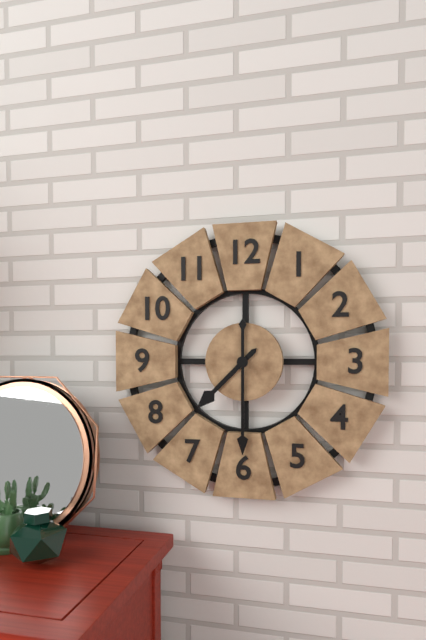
7 h 30 min
